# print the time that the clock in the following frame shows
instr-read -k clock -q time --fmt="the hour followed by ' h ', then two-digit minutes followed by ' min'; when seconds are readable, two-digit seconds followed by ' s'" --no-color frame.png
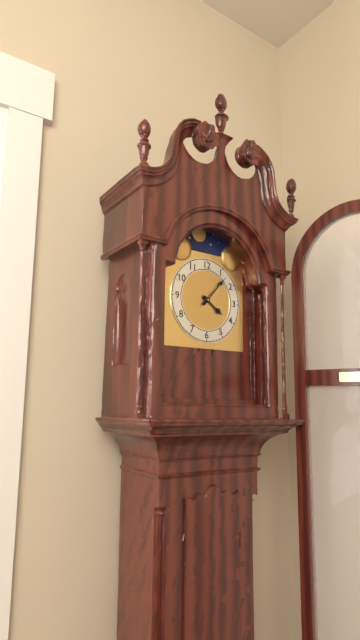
4 h 07 min
